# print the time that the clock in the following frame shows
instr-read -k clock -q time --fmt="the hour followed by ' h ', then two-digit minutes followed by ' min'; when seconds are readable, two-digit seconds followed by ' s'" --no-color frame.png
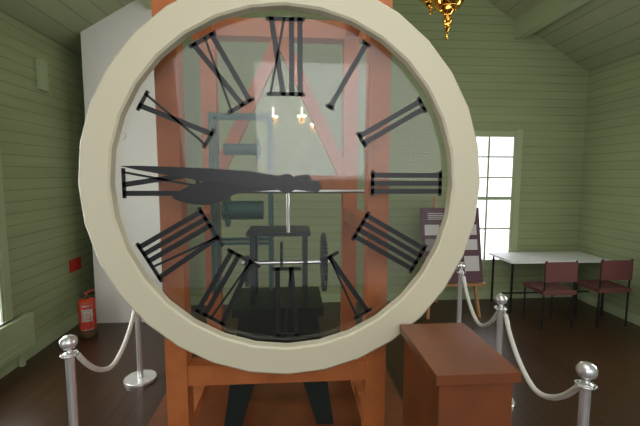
8 h 46 min
